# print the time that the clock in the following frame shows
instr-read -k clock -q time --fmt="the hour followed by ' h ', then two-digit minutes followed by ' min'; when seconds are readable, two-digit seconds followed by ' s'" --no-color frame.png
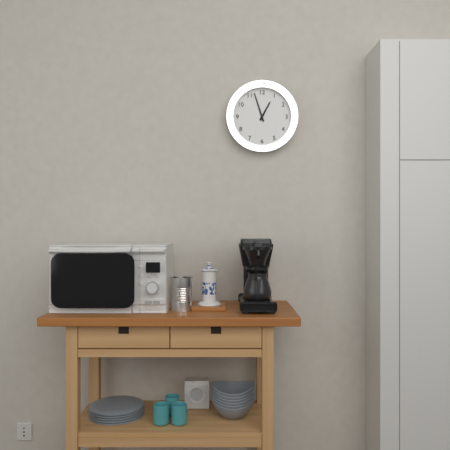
12 h 57 min
